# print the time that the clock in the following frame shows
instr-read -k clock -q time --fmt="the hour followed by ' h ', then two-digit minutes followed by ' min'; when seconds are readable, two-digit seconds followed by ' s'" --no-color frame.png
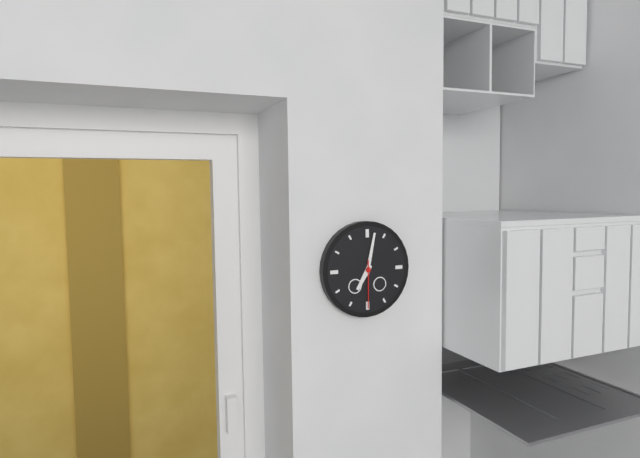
7 h 02 min 30 s
